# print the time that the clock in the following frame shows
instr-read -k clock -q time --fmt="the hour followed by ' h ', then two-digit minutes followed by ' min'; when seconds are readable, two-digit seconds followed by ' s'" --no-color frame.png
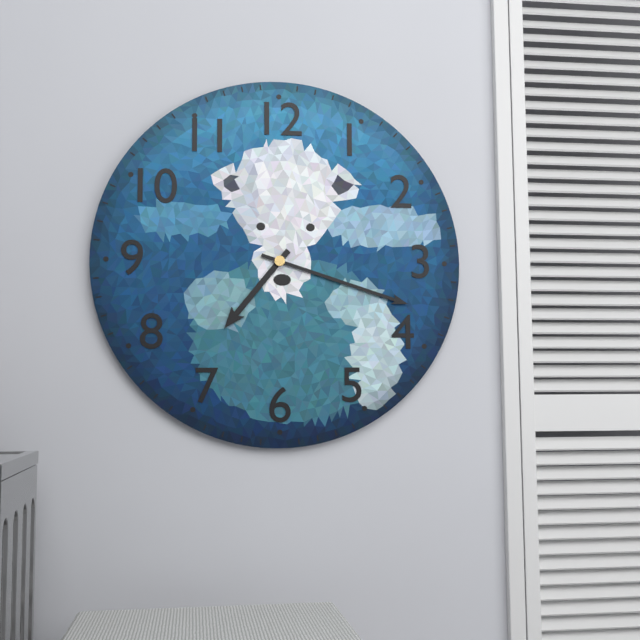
7 h 18 min
